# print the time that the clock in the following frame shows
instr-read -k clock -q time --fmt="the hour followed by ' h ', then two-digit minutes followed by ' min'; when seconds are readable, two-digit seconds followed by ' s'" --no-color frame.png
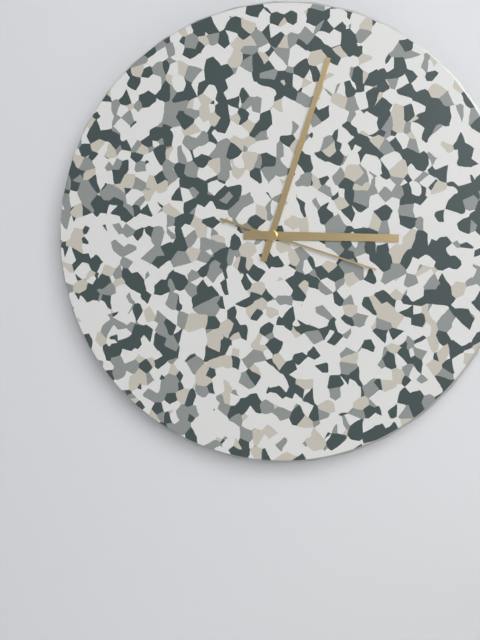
3 h 03 min 18 s
